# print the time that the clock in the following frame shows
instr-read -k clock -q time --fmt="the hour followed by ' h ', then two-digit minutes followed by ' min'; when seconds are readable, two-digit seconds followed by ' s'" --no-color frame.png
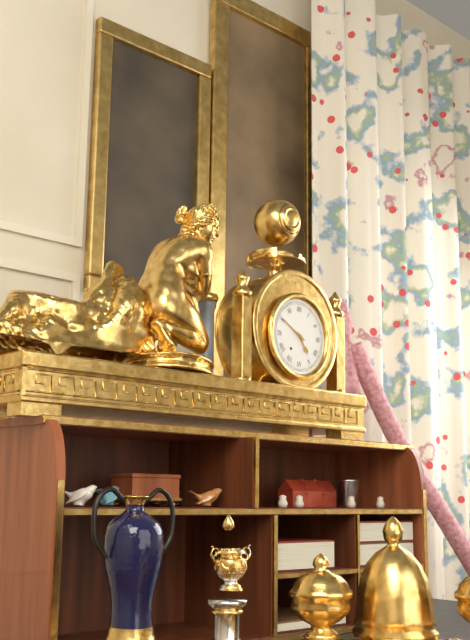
4 h 50 min
